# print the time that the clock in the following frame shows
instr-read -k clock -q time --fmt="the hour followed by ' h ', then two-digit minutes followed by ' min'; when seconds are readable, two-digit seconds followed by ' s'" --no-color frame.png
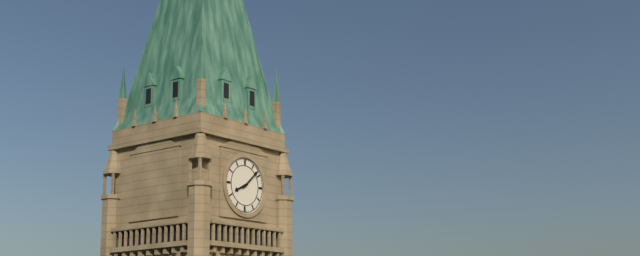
8 h 08 min
